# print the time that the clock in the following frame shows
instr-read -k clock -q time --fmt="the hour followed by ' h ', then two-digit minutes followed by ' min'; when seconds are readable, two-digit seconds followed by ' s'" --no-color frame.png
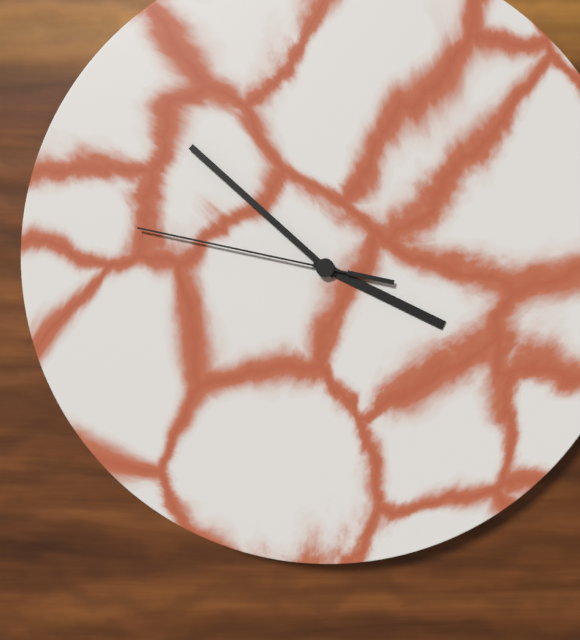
3 h 52 min 47 s
